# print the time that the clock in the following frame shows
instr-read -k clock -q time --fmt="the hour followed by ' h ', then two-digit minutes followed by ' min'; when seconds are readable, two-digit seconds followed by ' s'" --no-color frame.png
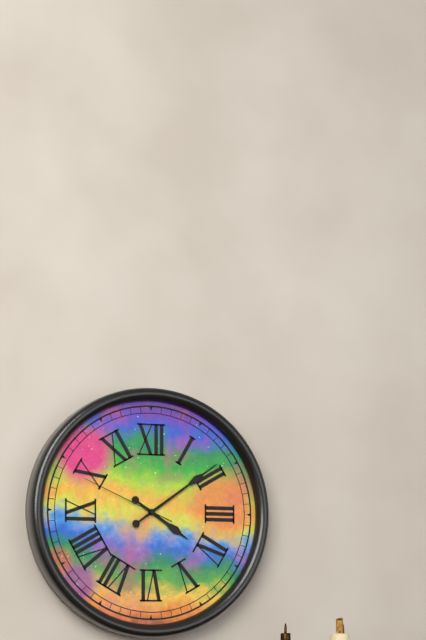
4 h 09 min 49 s
